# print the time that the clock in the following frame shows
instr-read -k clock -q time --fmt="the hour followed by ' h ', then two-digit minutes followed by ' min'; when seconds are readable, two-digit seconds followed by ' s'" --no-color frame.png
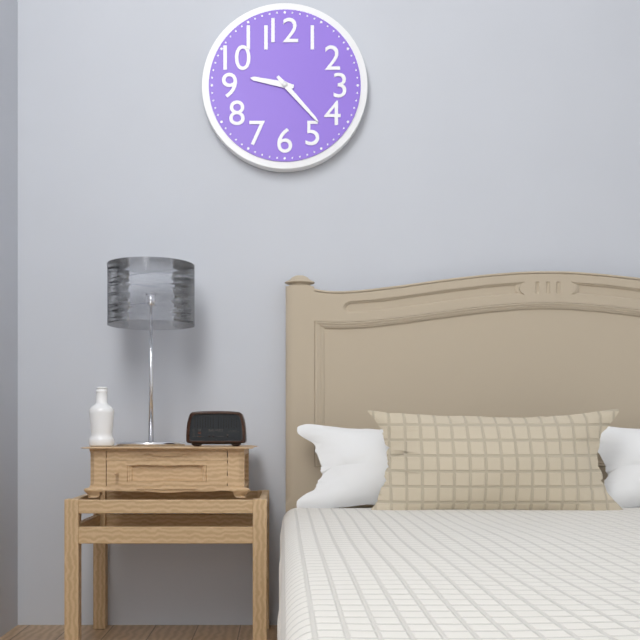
9 h 23 min
